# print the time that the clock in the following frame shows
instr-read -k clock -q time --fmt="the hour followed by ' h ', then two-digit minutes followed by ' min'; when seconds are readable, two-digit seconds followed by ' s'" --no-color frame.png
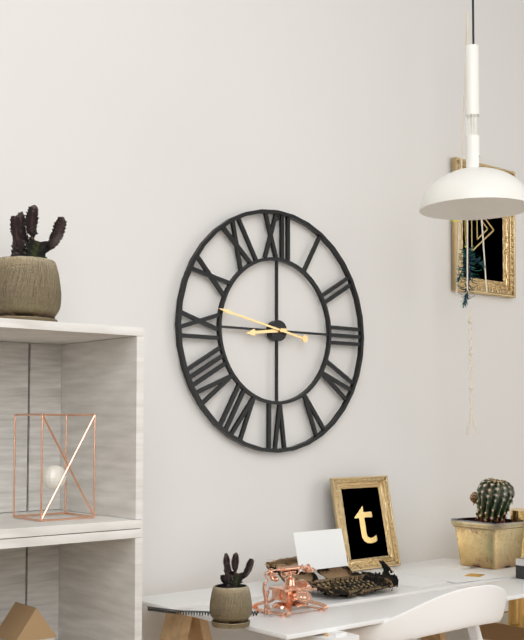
8 h 47 min
